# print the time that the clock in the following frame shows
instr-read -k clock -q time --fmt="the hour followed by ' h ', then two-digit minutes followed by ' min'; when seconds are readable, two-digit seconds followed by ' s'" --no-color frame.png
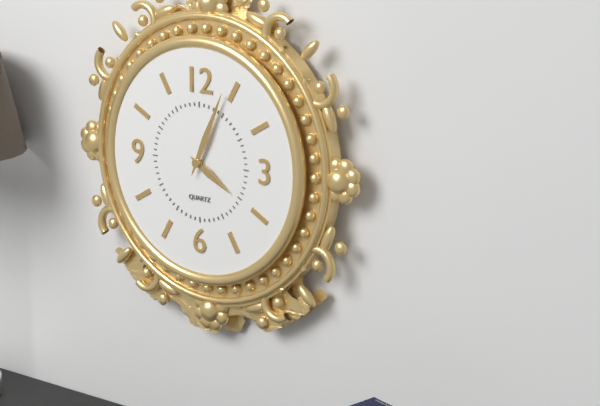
4 h 04 min
